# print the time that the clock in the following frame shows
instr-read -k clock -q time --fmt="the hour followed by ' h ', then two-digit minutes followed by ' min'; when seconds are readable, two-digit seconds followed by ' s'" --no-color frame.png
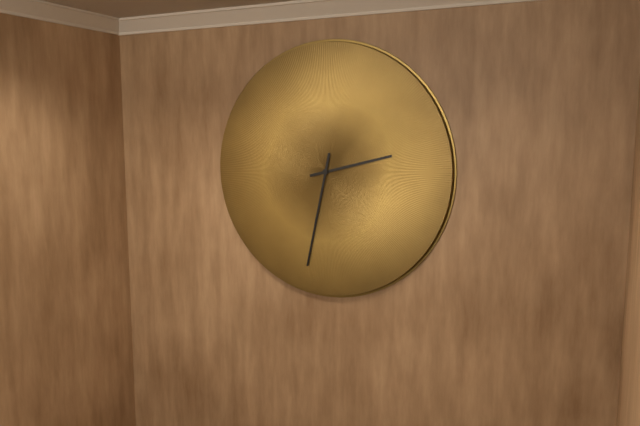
2 h 32 min
